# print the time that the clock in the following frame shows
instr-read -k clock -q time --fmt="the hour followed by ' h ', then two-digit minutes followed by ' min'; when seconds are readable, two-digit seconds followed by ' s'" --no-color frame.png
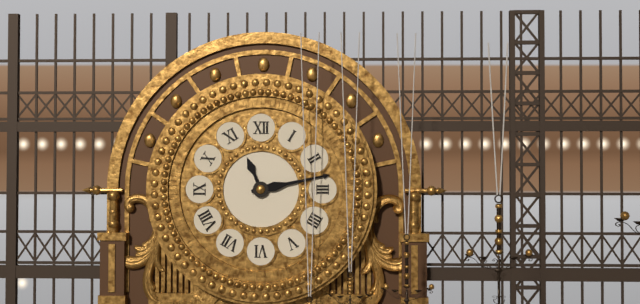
11 h 13 min
